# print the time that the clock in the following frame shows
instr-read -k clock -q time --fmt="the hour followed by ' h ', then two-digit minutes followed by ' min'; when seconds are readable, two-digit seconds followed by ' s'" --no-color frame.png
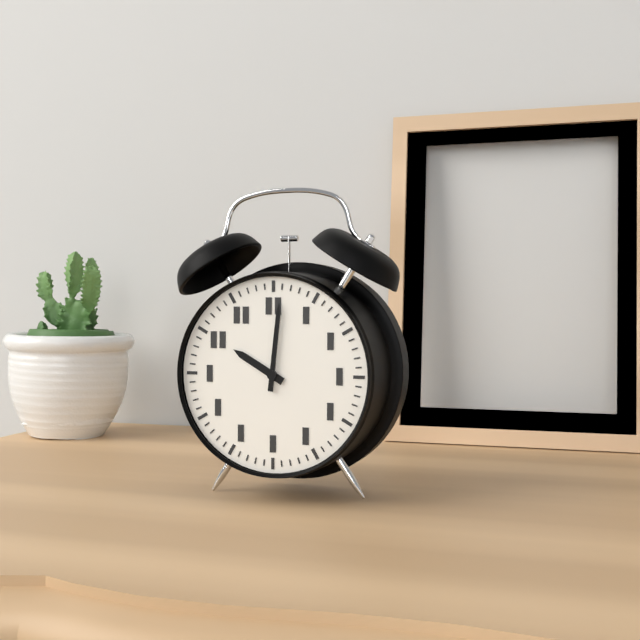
10 h 01 min
